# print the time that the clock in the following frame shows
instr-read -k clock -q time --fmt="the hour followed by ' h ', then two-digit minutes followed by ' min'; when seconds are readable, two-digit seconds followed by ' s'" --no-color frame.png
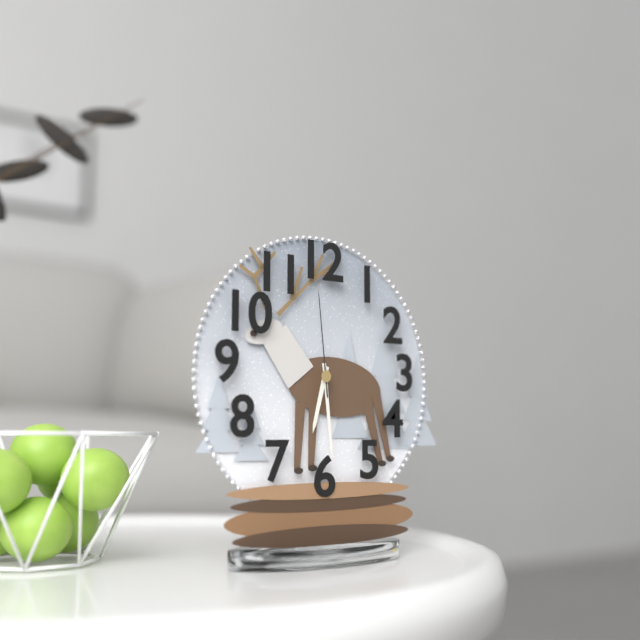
6 h 29 min 59 s
